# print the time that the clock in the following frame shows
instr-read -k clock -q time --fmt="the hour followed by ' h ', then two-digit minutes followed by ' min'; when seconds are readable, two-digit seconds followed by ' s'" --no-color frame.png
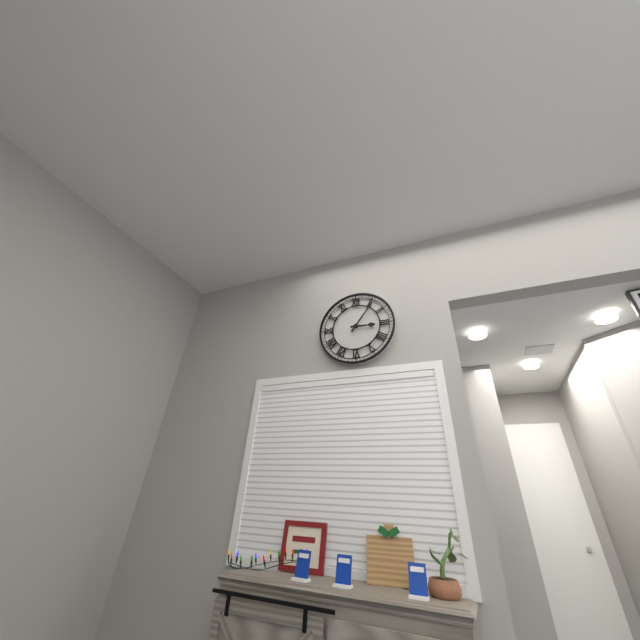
3 h 06 min
